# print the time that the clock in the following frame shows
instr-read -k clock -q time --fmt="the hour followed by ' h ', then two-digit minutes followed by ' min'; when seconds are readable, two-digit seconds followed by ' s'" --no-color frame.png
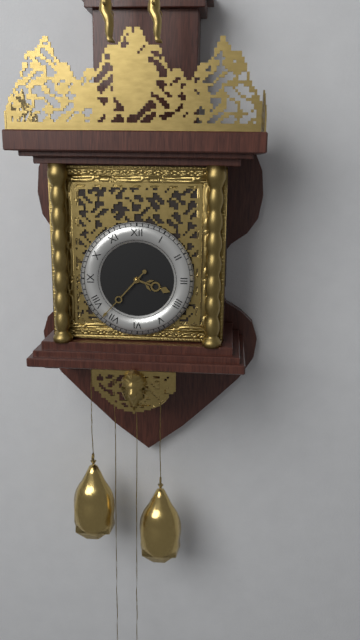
3 h 37 min
